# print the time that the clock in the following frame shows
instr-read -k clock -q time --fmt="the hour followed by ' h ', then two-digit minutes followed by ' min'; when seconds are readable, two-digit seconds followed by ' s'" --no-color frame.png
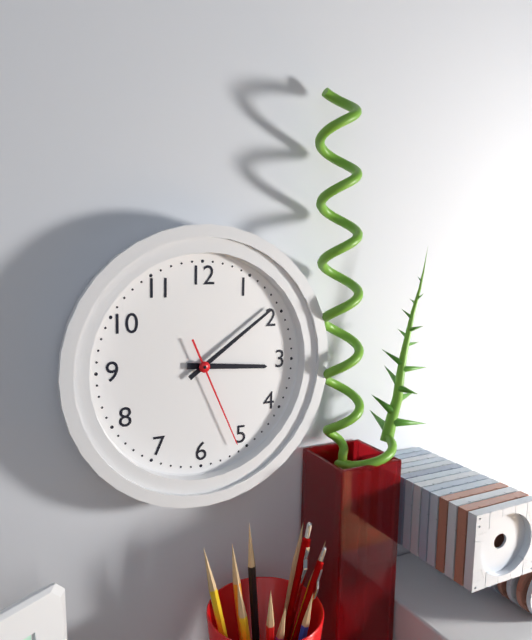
3 h 09 min 26 s
